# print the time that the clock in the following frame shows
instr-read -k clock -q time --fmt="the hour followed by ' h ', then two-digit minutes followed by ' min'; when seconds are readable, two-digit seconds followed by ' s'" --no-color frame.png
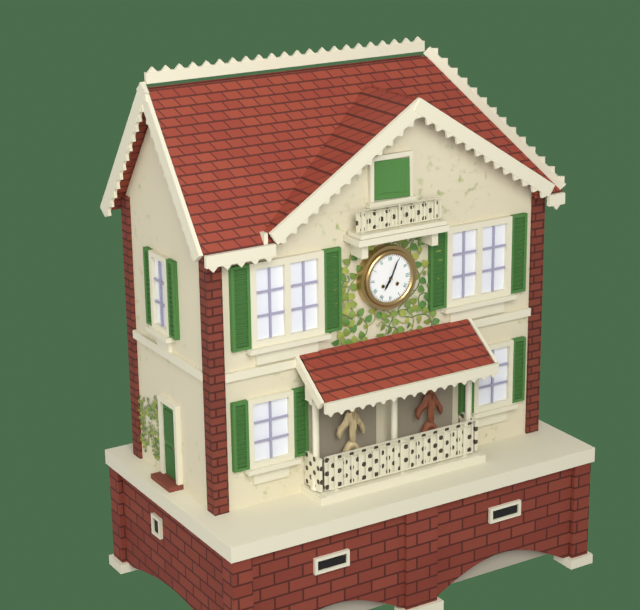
7 h 04 min
